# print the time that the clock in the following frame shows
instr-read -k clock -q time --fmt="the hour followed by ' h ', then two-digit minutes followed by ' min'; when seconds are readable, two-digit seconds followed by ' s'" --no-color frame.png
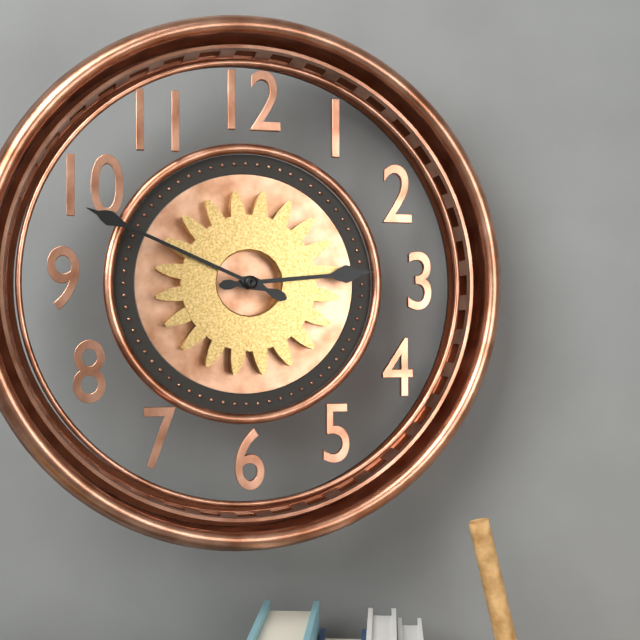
2 h 49 min
